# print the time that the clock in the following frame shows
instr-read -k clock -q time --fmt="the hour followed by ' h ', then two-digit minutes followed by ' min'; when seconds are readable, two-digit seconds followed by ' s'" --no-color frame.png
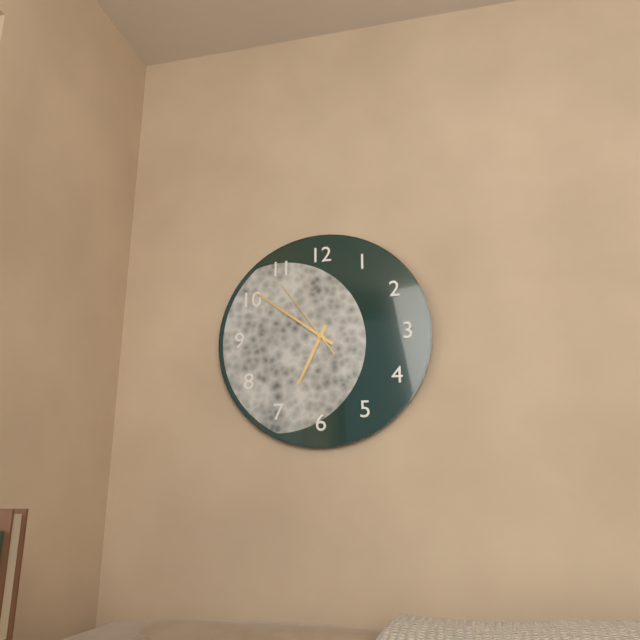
6 h 51 min 54 s
